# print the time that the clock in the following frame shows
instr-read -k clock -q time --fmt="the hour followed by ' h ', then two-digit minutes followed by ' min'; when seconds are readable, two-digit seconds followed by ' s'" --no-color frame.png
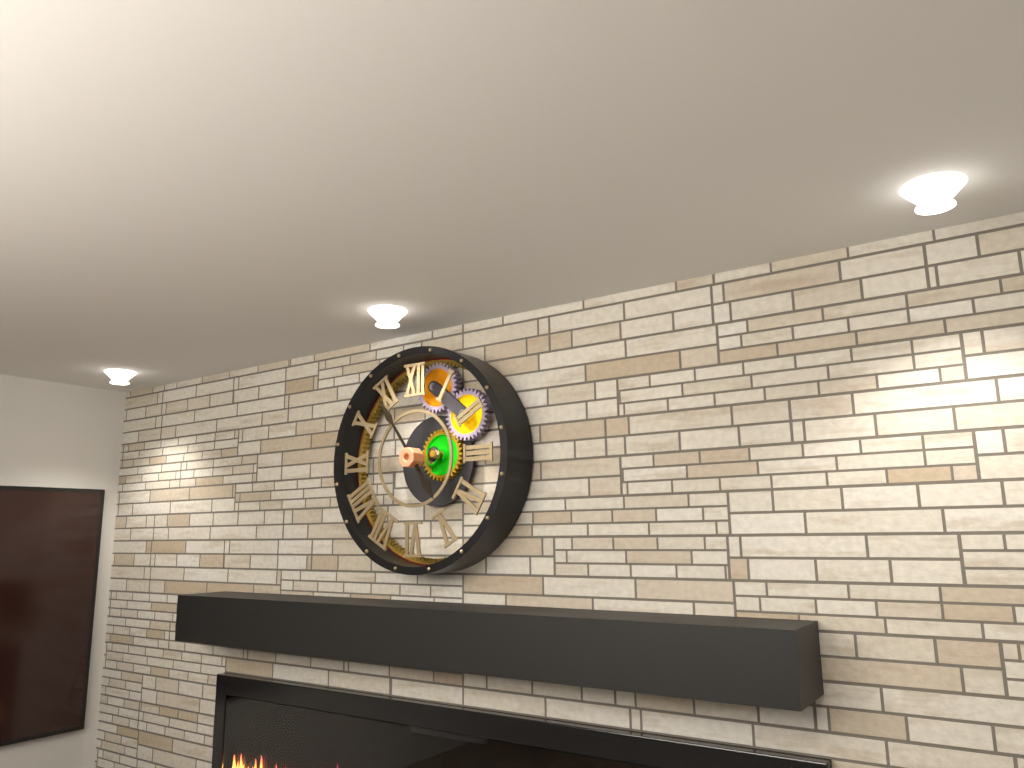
4 h 54 min
